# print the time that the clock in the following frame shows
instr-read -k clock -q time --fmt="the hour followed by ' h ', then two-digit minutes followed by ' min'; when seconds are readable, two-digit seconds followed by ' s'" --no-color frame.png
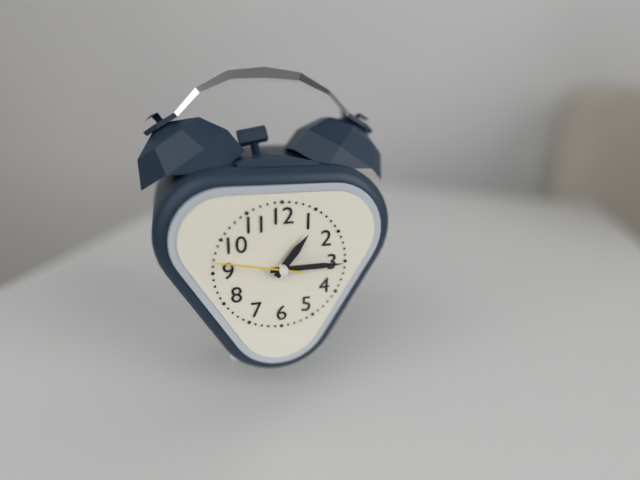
1 h 15 min 47 s
